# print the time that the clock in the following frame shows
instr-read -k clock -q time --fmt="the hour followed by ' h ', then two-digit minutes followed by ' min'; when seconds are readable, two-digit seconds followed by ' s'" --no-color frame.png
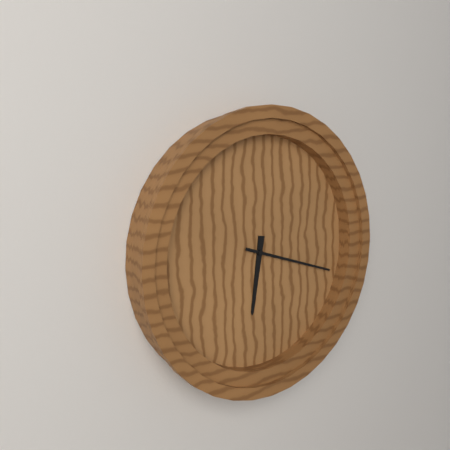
6 h 18 min
